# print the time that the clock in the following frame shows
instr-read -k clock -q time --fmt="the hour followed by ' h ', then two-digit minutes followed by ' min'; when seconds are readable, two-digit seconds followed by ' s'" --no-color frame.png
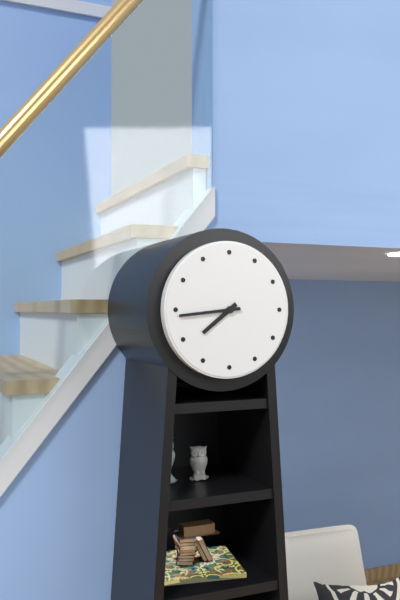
7 h 44 min
